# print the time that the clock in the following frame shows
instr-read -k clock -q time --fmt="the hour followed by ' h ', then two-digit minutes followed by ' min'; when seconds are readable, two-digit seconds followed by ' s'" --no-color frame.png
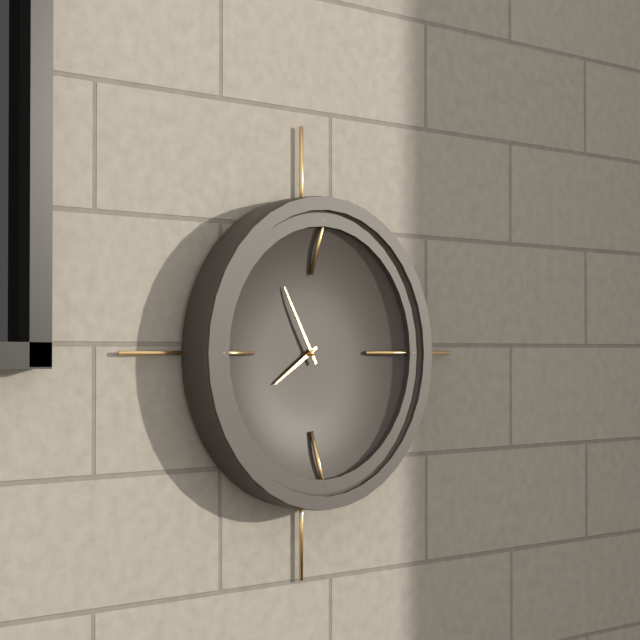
7 h 55 min
